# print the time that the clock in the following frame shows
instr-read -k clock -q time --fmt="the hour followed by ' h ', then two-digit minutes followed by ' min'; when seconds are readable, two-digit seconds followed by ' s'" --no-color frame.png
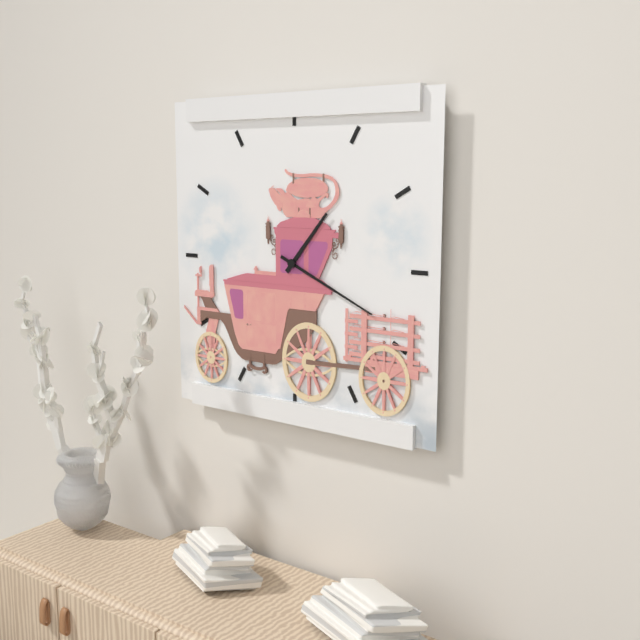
1 h 19 min
